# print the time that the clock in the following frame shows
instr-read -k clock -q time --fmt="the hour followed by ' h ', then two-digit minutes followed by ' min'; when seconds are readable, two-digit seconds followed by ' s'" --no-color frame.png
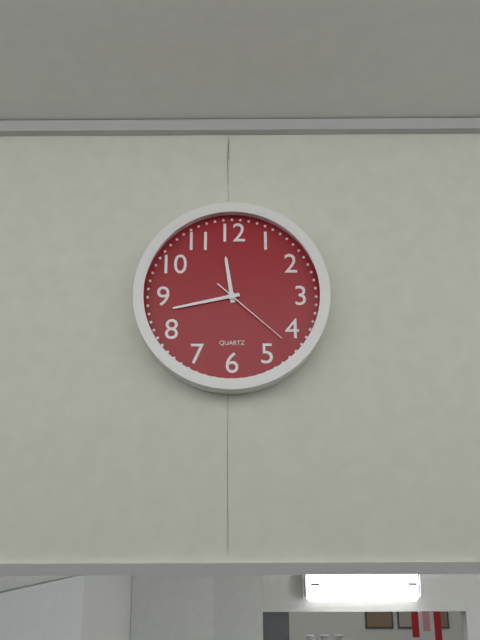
11 h 43 min 22 s
